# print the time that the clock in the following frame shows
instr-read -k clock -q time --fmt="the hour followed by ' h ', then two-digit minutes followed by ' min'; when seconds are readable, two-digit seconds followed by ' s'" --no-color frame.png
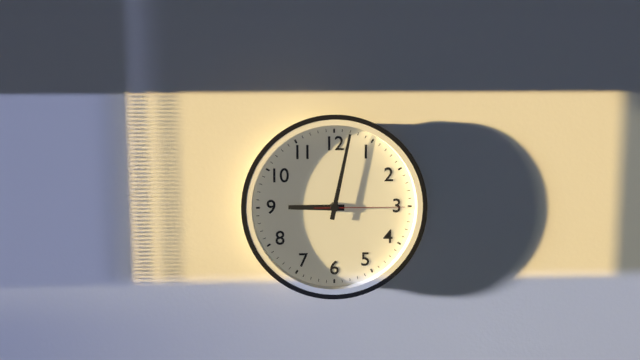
9 h 02 min 15 s
